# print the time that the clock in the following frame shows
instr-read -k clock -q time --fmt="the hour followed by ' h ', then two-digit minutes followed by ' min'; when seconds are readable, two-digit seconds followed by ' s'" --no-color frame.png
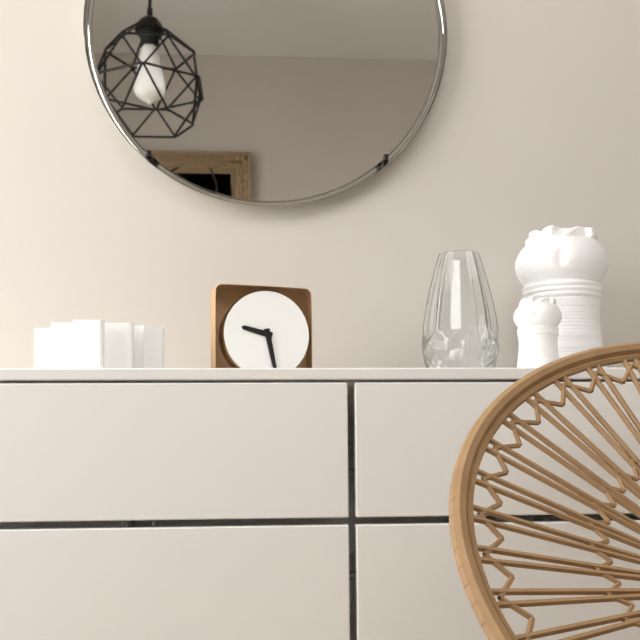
9 h 28 min
